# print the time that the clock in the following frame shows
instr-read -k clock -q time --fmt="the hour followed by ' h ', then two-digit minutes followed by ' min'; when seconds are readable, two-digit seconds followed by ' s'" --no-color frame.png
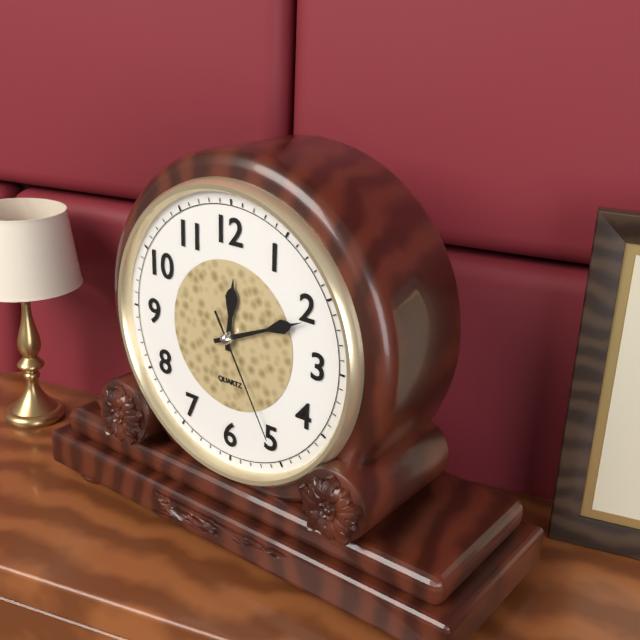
12 h 11 min 25 s
